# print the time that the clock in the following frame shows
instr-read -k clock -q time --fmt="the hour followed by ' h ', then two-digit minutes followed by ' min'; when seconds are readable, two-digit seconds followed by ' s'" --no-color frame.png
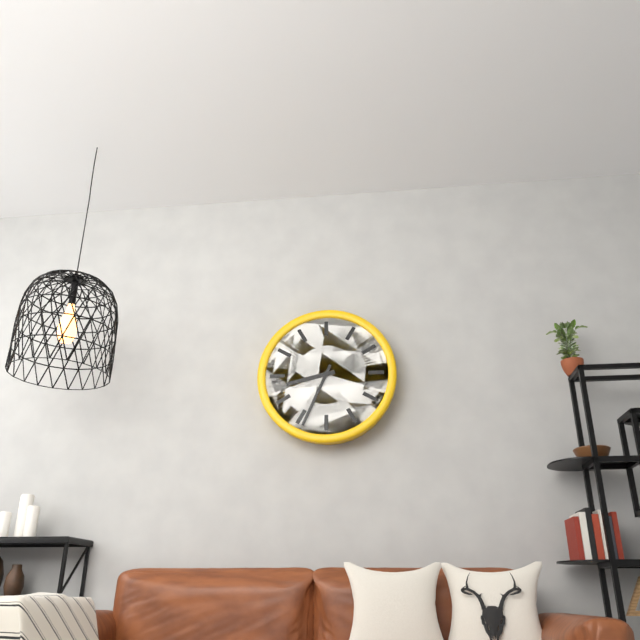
8 h 34 min
